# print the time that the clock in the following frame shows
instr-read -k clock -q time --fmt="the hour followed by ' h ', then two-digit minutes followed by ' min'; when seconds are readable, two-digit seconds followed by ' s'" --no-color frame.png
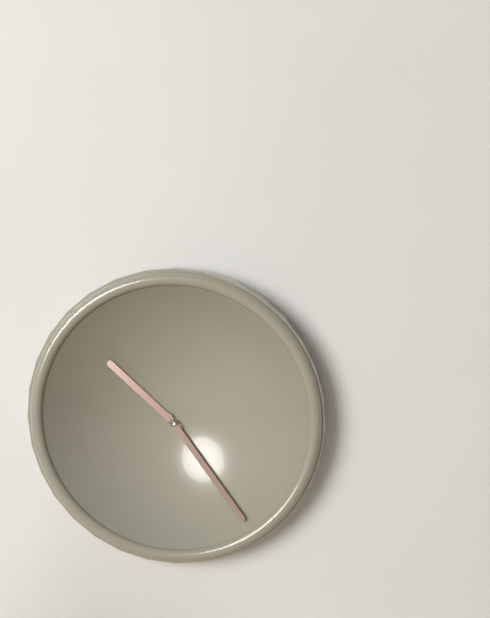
10 h 24 min
